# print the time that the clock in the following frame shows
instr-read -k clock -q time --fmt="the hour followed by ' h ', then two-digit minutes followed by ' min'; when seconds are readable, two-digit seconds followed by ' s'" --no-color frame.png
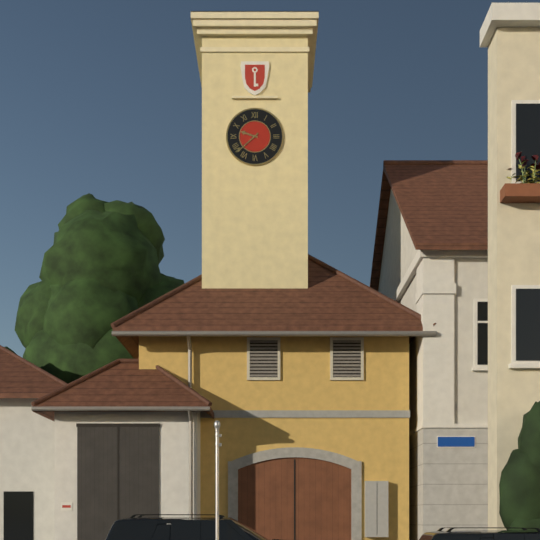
9 h 38 min
